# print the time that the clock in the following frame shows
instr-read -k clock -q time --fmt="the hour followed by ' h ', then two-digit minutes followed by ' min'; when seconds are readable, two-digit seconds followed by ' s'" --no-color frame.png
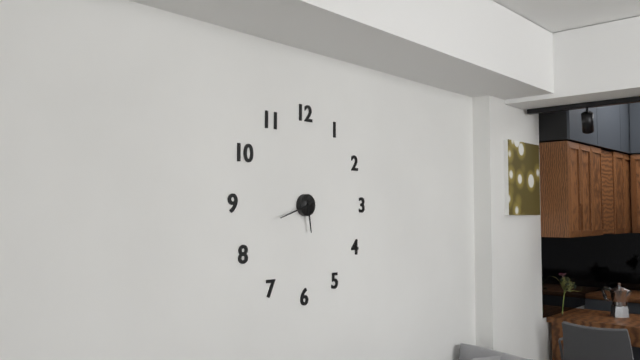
5 h 42 min
